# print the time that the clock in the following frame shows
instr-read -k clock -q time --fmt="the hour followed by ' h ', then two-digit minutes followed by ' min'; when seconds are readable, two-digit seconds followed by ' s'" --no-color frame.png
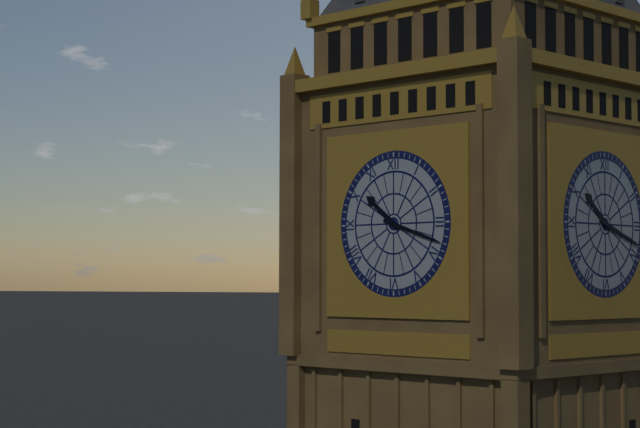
10 h 18 min
